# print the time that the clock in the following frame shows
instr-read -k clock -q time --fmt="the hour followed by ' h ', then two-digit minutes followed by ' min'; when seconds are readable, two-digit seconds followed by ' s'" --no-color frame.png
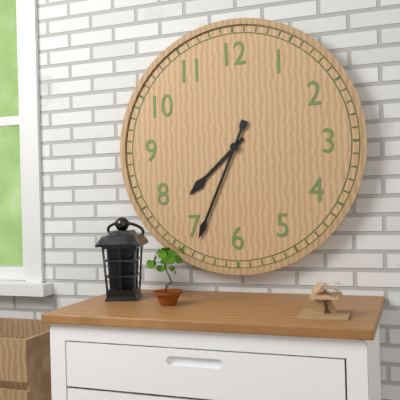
7 h 34 min
